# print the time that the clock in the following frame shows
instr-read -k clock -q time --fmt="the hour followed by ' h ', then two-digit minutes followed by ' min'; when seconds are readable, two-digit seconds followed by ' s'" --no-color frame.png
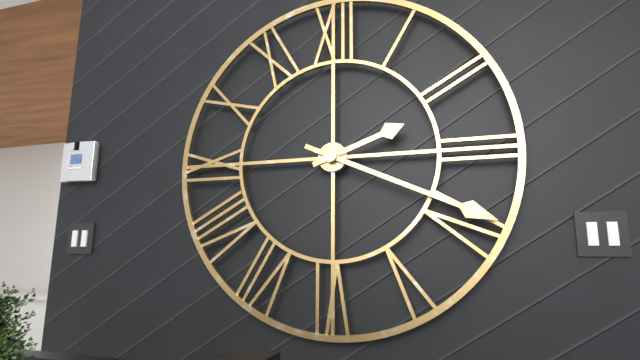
2 h 19 min
